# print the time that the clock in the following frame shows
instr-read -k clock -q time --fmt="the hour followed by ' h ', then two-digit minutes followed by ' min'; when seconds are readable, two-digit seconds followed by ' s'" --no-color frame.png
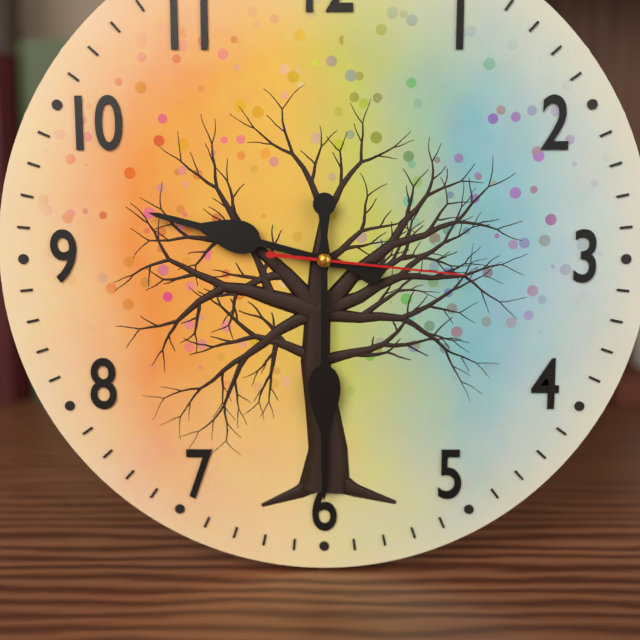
9 h 30 min 16 s
